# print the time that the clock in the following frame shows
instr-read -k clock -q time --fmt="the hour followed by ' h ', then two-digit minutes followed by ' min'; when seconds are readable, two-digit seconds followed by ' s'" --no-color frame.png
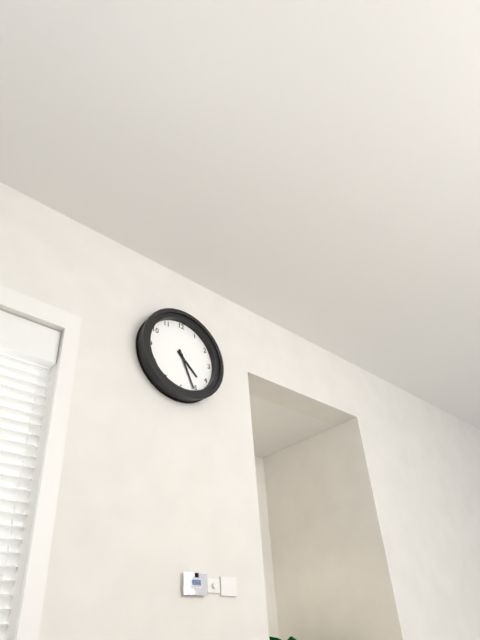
4 h 26 min
